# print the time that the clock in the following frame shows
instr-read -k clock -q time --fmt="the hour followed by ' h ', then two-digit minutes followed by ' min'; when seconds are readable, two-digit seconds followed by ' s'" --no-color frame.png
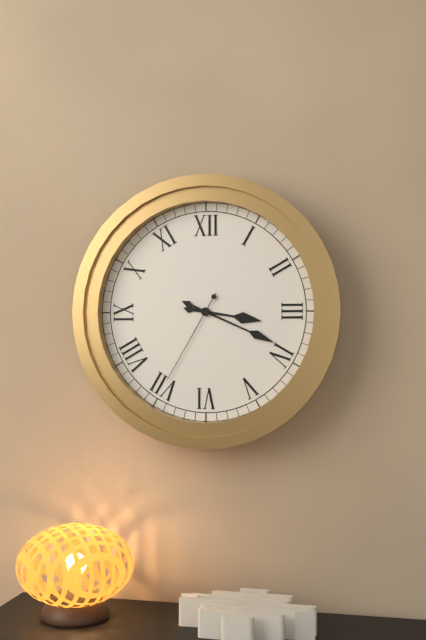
3 h 19 min 35 s
